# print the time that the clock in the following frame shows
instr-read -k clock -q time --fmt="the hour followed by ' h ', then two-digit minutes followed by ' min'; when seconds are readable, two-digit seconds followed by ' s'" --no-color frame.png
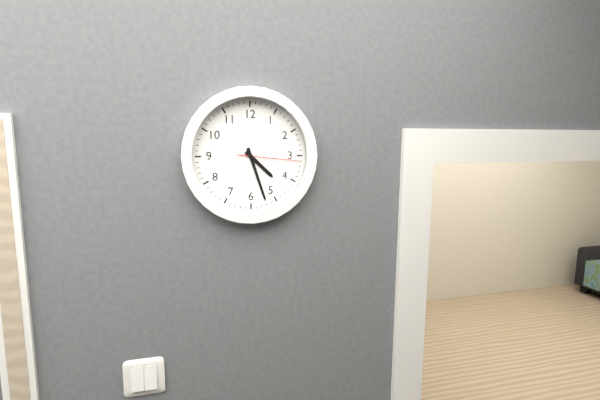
4 h 27 min 16 s
